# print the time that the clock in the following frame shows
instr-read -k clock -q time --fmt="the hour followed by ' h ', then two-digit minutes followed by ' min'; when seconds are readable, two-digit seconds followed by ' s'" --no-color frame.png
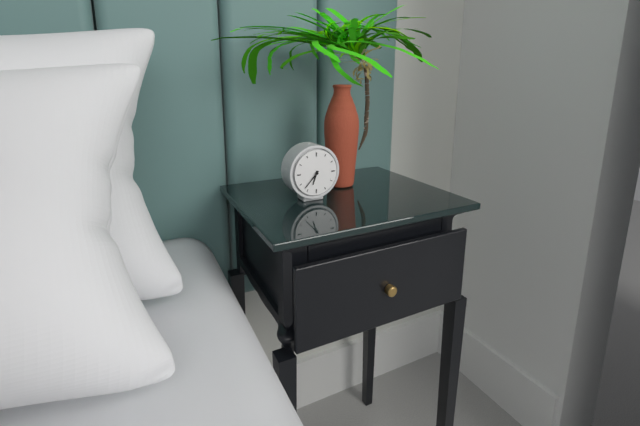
6 h 37 min
